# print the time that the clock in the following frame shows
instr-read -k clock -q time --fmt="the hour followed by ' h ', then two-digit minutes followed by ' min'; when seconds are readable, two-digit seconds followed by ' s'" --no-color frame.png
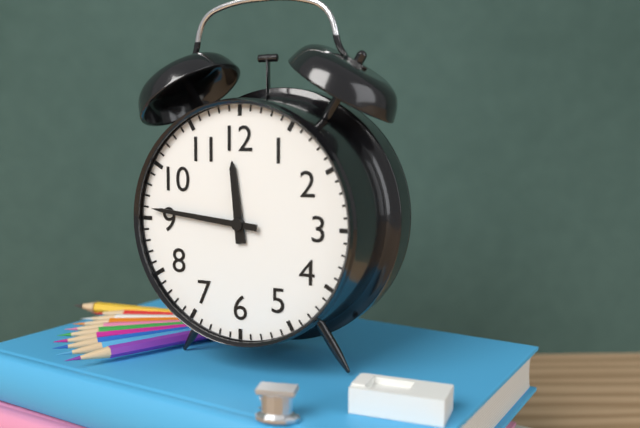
11 h 46 min
